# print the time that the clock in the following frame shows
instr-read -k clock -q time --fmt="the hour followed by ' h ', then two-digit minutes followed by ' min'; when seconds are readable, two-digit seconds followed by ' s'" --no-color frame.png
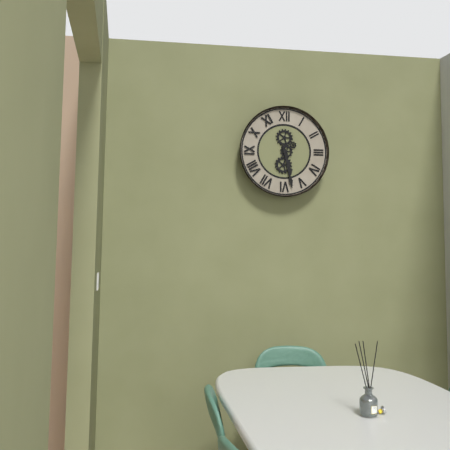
5 h 28 min
